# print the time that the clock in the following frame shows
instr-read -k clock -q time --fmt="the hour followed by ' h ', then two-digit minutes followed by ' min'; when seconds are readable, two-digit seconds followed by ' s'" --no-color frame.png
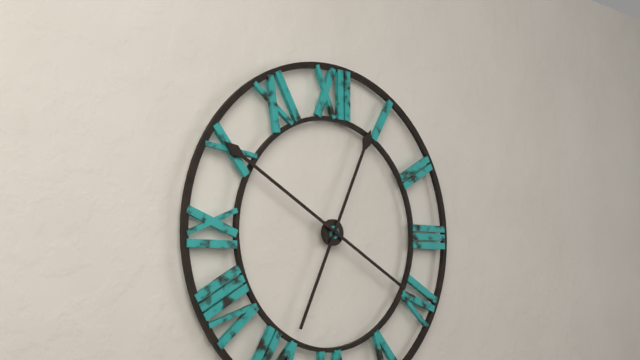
12 h 50 min
